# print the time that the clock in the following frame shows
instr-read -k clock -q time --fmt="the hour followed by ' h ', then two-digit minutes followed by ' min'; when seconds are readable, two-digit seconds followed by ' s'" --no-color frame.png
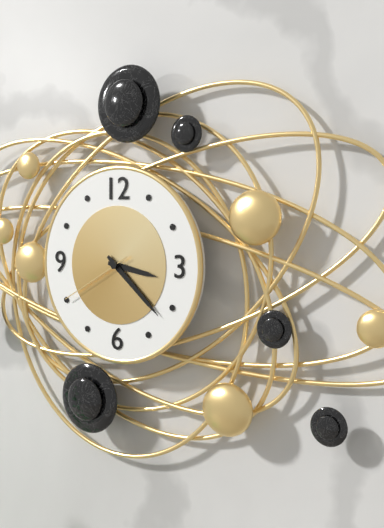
3 h 22 min 40 s
